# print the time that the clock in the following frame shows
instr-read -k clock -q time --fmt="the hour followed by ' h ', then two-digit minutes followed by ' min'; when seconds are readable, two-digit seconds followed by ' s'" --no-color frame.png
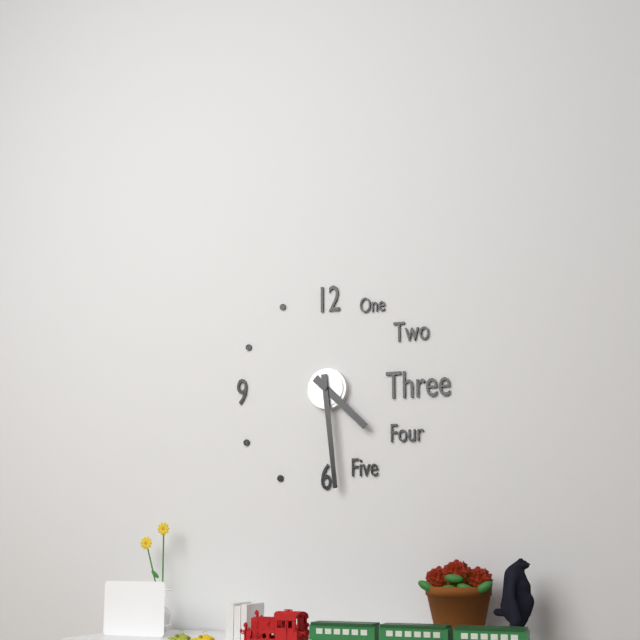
4 h 29 min
